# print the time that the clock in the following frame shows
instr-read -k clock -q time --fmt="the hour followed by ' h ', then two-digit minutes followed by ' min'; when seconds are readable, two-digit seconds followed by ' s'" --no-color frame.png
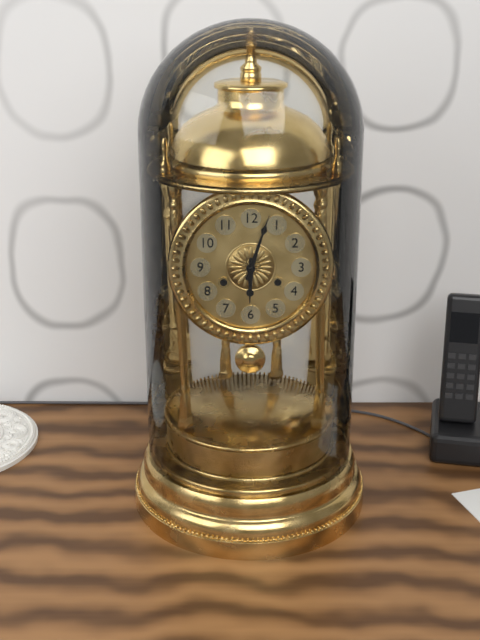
6 h 03 min
